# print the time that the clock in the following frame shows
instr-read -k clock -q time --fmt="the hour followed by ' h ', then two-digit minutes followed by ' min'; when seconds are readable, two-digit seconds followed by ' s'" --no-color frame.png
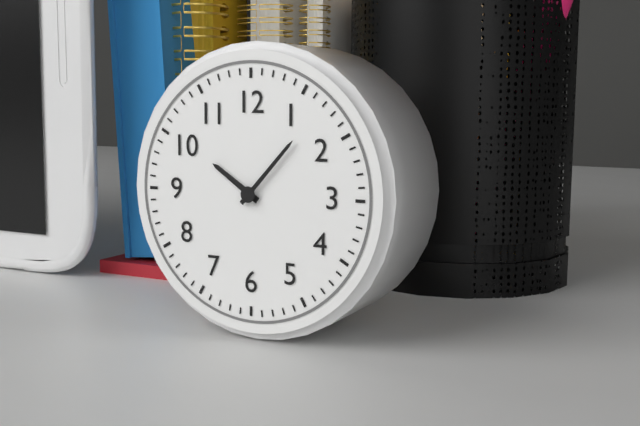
10 h 07 min
